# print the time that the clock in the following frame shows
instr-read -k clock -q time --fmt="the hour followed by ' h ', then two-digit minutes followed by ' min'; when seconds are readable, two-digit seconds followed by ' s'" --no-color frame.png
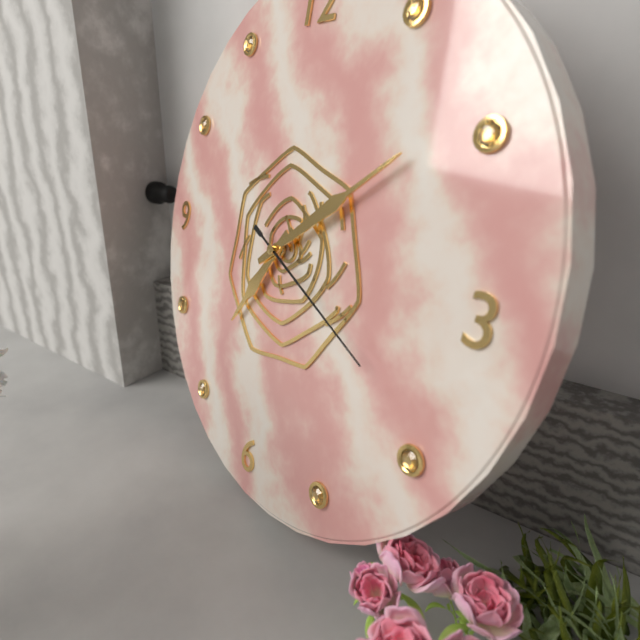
7 h 09 min 19 s
